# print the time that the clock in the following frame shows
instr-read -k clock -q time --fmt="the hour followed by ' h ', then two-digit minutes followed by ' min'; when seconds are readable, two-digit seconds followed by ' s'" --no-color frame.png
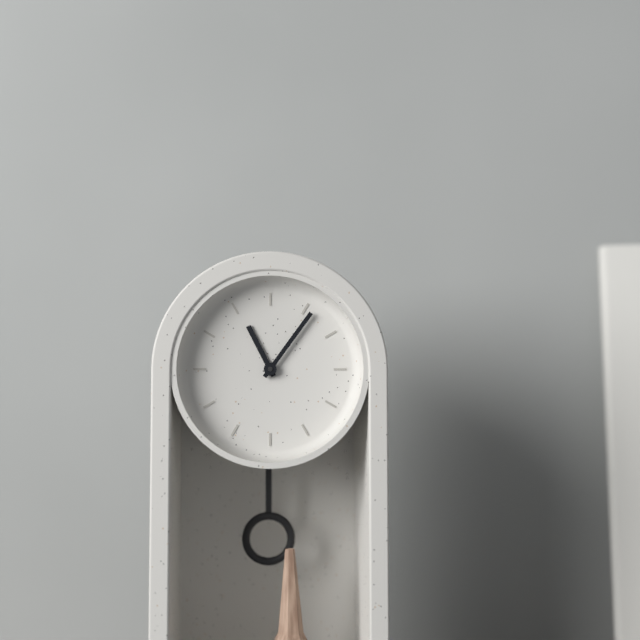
11 h 06 min
